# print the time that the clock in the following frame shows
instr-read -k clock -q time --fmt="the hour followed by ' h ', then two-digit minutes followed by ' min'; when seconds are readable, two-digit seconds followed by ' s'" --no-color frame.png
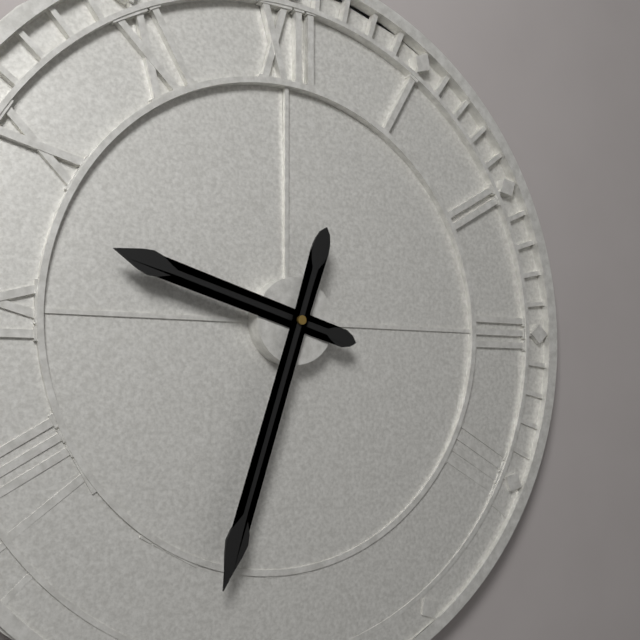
9 h 33 min
